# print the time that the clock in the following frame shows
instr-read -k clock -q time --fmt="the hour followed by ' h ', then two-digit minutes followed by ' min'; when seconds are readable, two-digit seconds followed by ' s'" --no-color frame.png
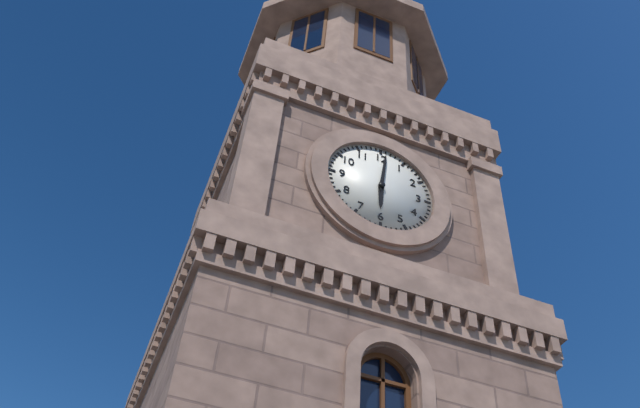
6 h 01 min
